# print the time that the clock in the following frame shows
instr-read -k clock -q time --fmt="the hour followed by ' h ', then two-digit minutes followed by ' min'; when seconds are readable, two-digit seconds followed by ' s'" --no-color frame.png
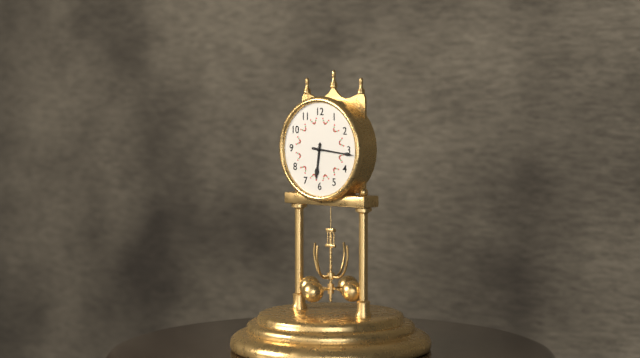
6 h 16 min
